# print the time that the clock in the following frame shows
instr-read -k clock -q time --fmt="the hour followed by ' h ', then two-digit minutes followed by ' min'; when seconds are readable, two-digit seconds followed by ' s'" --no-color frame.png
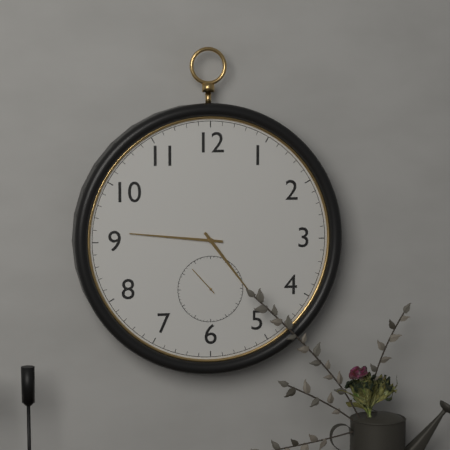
4 h 46 min
